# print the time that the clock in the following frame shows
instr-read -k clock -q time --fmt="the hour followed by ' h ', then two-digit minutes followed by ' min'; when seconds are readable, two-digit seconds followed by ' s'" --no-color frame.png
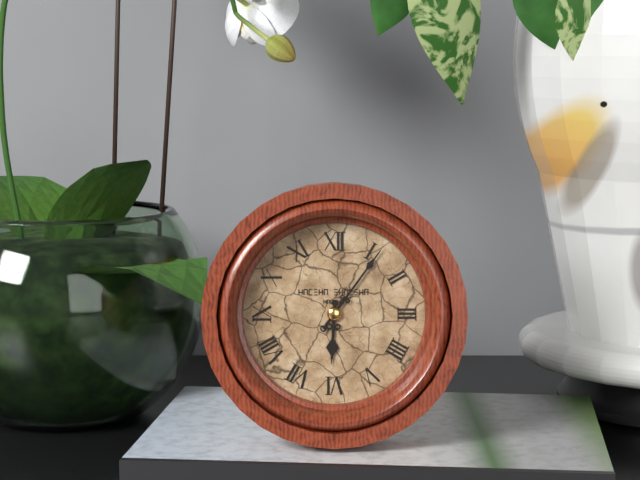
6 h 06 min
